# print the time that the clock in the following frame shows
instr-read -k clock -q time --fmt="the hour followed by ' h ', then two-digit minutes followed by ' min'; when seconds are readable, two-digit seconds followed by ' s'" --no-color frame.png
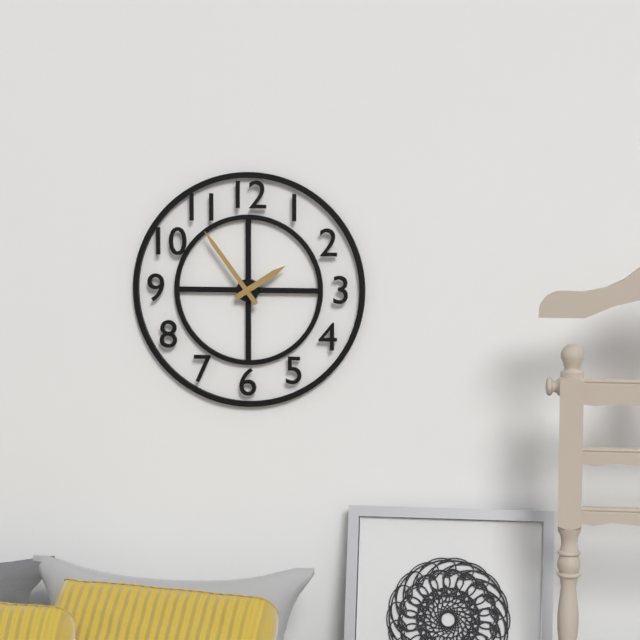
1 h 54 min
